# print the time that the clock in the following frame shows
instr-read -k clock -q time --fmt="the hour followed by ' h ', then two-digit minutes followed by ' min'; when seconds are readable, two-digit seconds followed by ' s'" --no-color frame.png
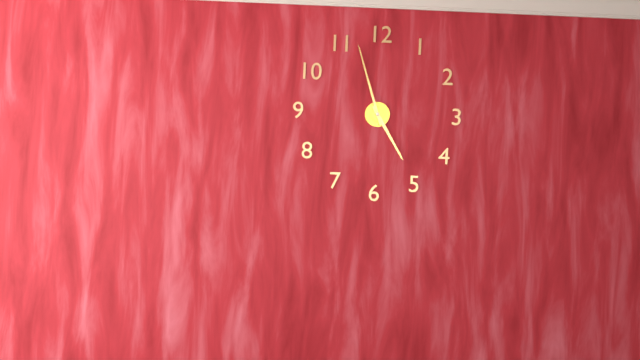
4 h 57 min
